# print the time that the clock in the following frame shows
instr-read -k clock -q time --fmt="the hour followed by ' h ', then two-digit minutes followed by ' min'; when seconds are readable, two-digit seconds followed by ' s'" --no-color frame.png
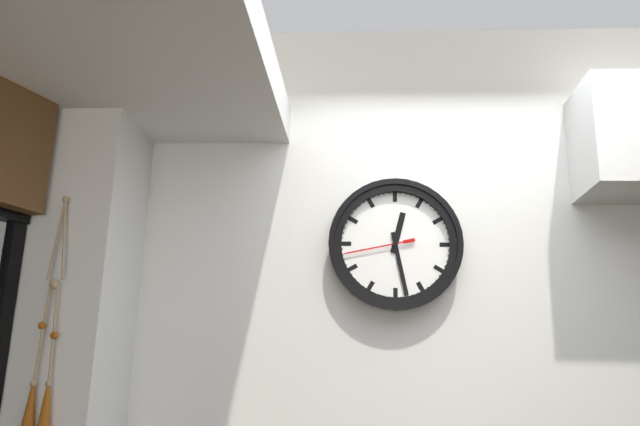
12 h 28 min 43 s
